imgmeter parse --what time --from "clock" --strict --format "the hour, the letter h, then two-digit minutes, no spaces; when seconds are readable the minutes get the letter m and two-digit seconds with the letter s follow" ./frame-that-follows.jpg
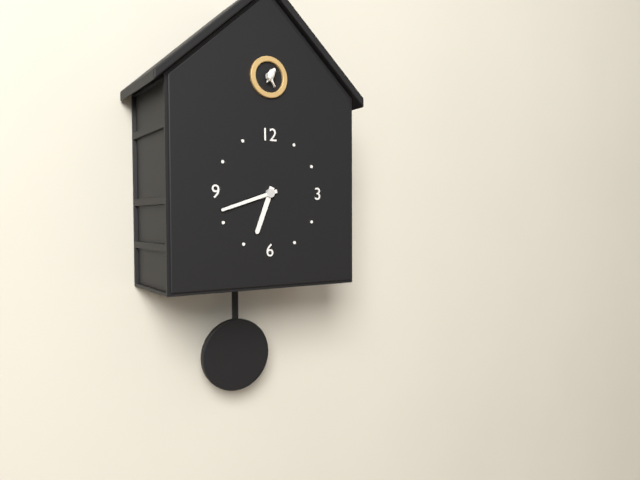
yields 6h42
